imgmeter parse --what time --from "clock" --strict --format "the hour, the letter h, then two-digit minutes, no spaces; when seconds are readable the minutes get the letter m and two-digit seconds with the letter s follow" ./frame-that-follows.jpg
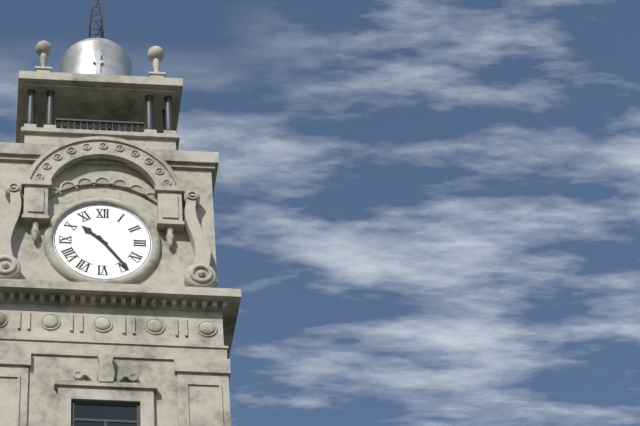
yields 10h24
